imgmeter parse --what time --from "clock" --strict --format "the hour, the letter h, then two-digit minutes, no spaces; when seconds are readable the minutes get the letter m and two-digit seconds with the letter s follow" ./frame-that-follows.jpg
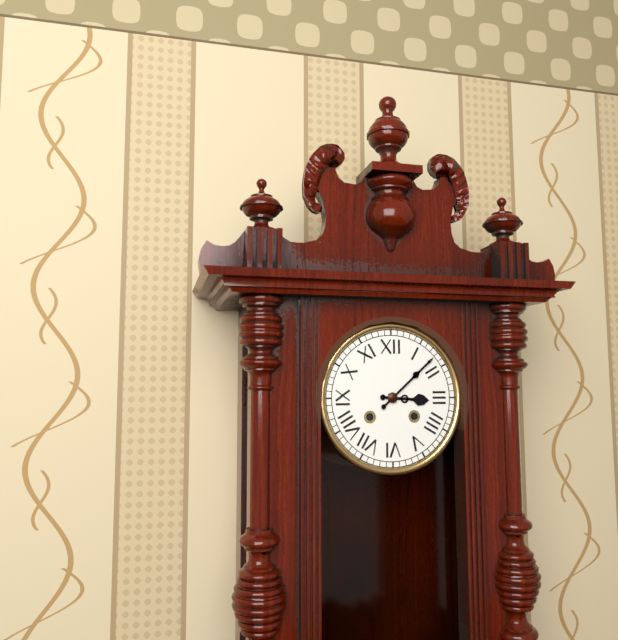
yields 3h08
